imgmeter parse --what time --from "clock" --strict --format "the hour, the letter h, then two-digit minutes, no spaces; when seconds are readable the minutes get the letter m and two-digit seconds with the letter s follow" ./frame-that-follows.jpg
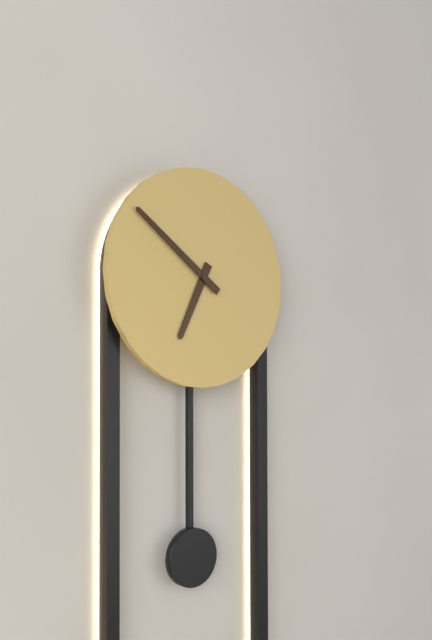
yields 6h51
